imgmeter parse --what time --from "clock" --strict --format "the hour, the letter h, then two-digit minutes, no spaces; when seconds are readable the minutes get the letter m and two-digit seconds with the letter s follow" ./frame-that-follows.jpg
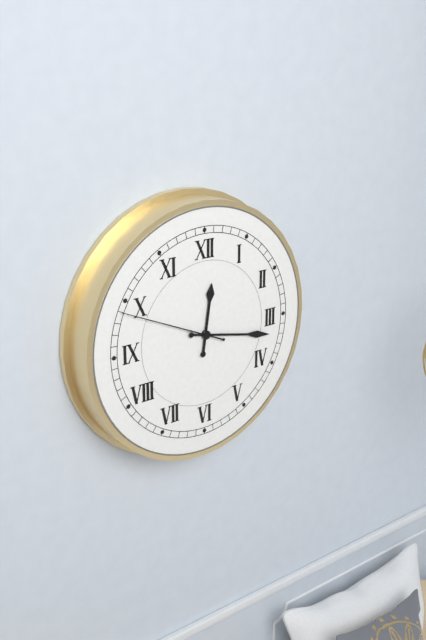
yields 12h17m49s
